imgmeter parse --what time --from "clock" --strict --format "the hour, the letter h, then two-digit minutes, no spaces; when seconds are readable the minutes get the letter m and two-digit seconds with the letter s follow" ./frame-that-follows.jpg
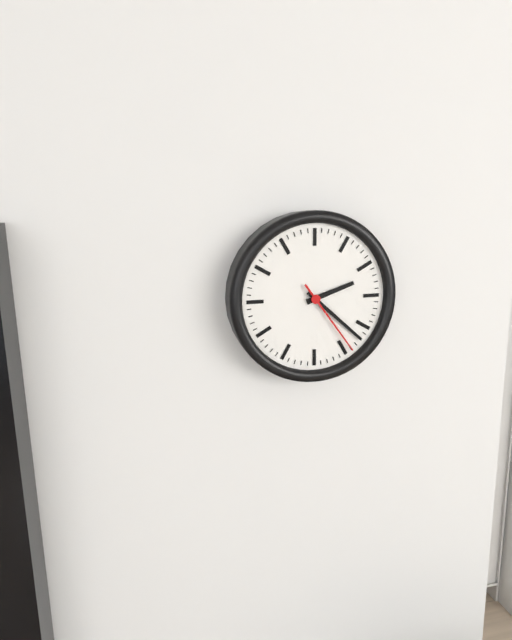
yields 2h22m24s
